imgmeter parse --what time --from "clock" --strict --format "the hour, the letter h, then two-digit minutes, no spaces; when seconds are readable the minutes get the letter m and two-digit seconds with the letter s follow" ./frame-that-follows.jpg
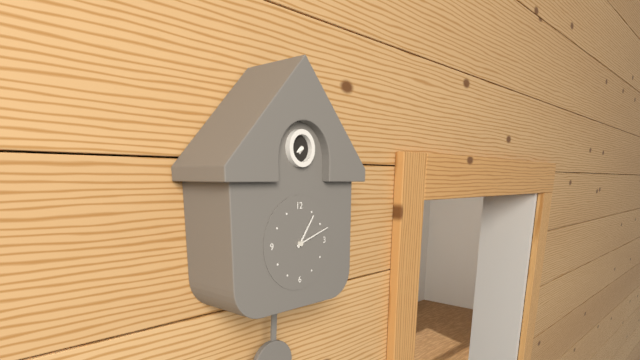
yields 1h12
